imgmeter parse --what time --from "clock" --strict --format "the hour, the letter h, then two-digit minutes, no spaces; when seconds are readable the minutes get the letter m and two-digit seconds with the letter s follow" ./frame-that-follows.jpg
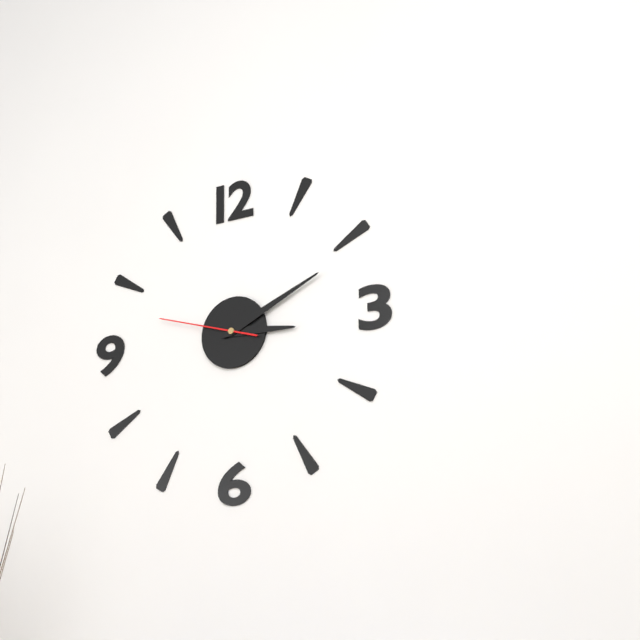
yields 3h11m48s
